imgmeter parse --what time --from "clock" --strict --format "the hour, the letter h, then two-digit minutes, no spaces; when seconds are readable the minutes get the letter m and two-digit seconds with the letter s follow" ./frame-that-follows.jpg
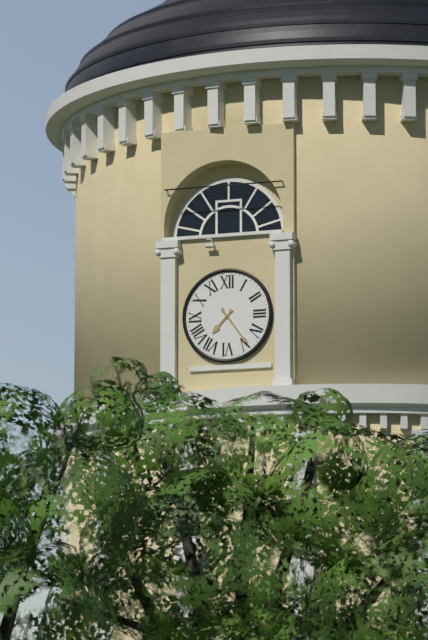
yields 7h24
